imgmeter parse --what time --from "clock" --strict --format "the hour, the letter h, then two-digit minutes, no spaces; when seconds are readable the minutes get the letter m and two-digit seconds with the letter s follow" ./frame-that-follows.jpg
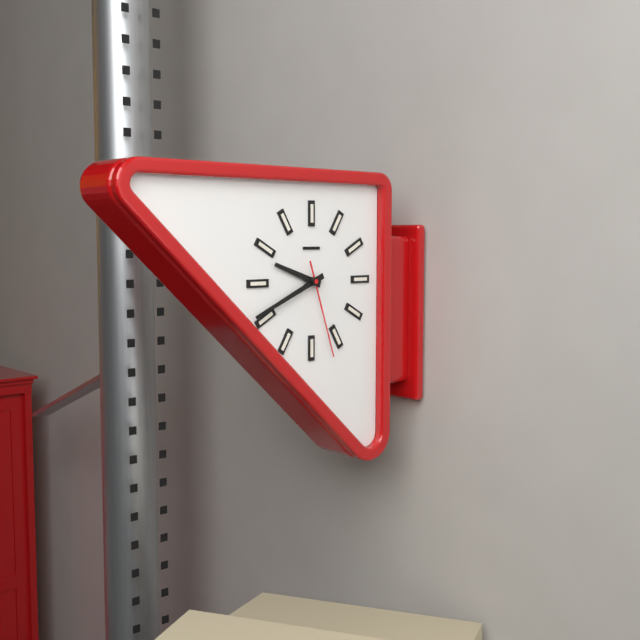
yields 9h41m27s
